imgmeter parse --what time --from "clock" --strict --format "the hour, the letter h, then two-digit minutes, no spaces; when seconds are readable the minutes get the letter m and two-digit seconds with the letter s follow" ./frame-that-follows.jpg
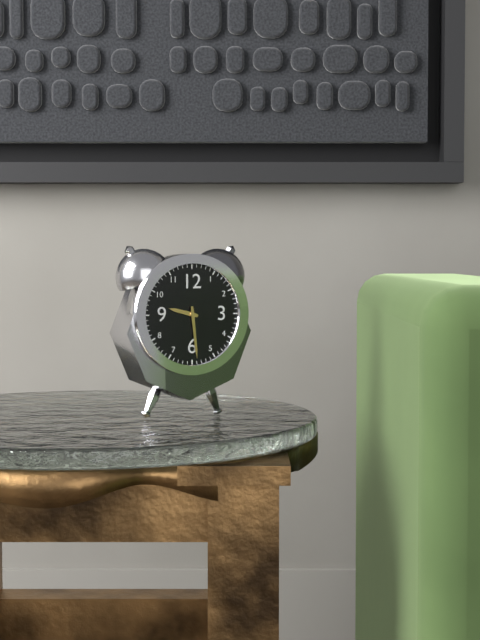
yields 9h29
